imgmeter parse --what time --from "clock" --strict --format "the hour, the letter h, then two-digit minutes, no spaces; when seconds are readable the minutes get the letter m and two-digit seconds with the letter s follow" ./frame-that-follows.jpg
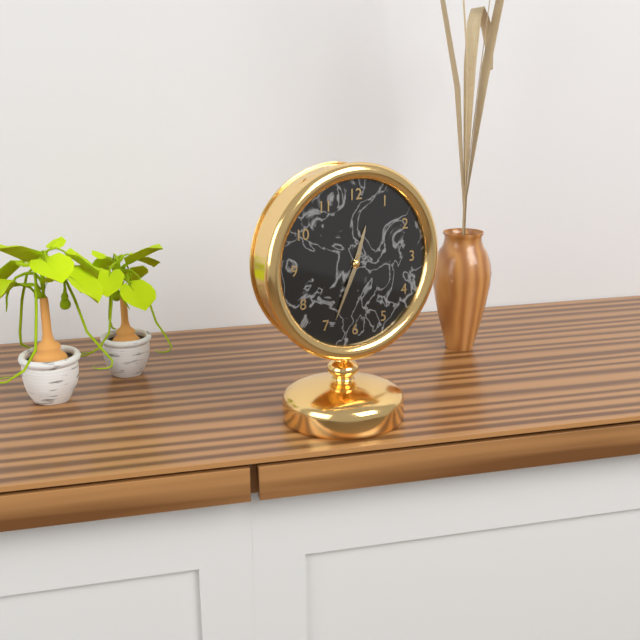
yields 12h34
